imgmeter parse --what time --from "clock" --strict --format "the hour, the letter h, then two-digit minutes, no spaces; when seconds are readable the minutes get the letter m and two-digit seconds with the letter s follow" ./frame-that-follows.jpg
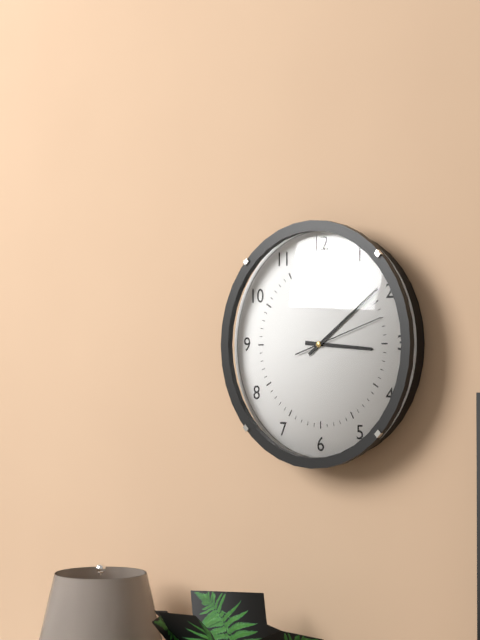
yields 3h09m12s
